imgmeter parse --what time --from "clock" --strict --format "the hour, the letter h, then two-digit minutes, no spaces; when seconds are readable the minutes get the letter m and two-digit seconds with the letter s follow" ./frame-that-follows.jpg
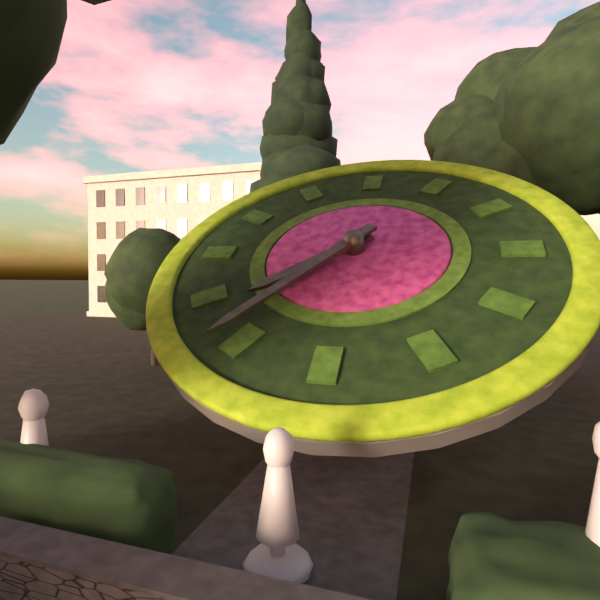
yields 7h36
